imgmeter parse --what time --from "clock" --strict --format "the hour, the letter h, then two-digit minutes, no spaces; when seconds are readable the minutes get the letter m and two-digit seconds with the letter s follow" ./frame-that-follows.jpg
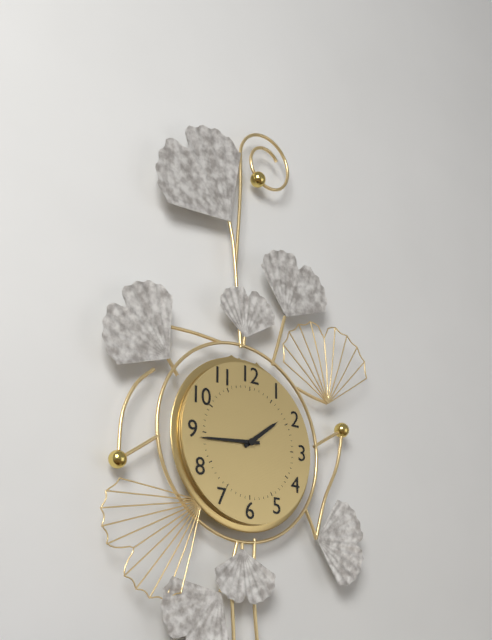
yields 1h44
